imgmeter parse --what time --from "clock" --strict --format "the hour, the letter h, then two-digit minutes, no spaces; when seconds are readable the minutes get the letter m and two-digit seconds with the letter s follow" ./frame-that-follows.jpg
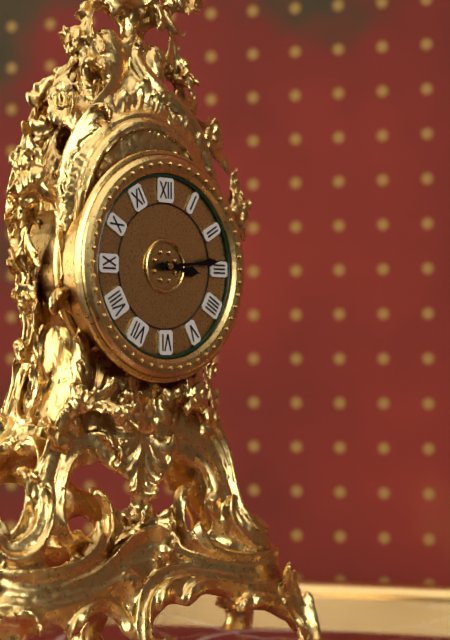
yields 3h14
